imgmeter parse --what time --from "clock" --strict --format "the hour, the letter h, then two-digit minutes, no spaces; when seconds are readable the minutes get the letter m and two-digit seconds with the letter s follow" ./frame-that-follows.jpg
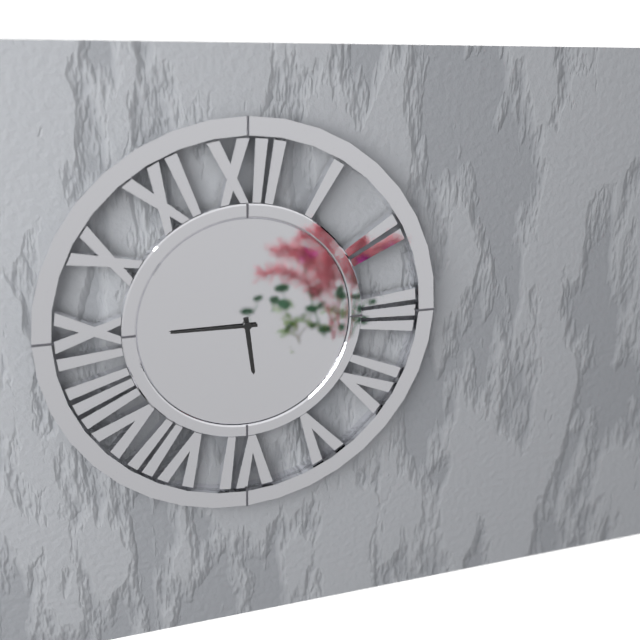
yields 5h45
